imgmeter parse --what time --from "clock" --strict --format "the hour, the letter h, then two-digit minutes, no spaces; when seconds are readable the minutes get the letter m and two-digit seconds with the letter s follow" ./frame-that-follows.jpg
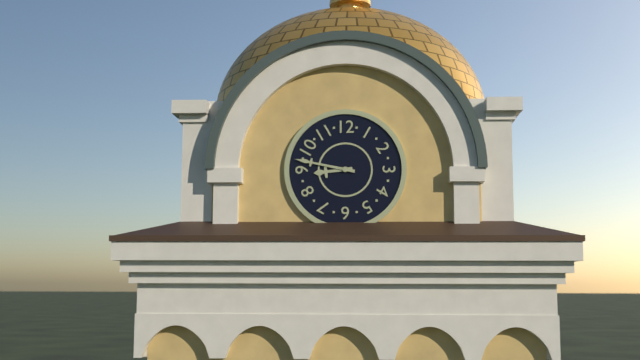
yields 8h47
